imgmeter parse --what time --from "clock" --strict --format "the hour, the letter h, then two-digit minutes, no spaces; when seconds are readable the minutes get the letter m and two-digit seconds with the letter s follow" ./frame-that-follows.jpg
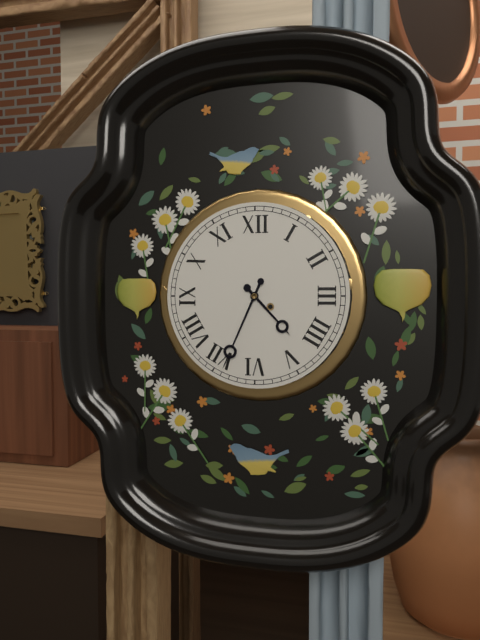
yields 4h34
